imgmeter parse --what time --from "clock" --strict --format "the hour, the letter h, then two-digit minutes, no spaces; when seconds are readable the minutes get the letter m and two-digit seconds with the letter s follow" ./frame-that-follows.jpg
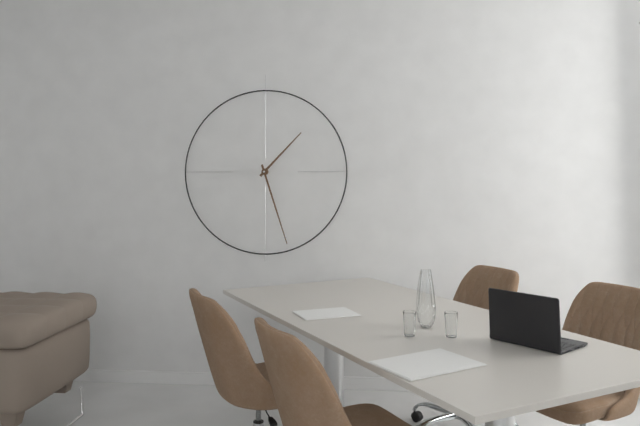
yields 1h27
